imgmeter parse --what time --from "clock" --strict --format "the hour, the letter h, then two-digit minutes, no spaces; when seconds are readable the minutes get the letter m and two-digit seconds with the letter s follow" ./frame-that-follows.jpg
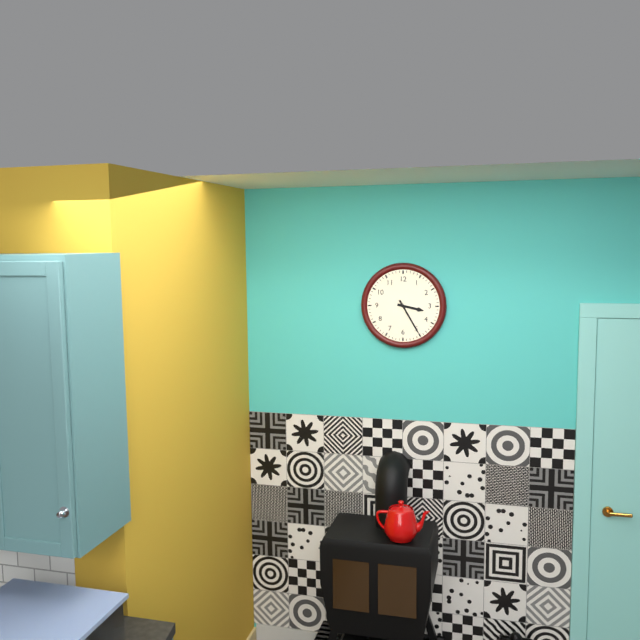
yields 3h25
